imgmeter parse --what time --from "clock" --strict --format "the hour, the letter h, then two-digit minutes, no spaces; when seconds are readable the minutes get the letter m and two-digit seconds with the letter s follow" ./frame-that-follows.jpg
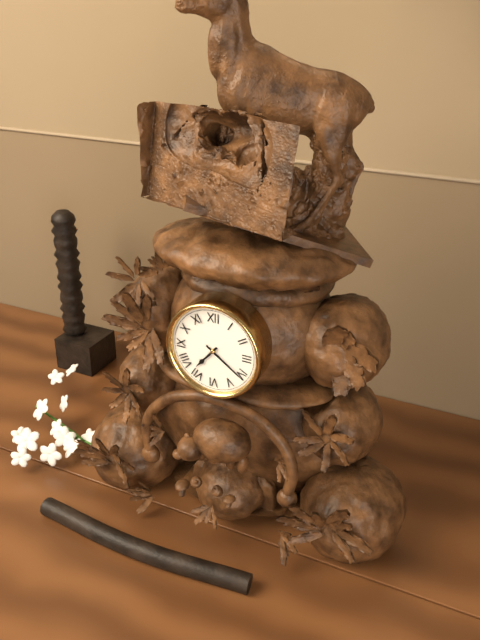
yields 7h21
